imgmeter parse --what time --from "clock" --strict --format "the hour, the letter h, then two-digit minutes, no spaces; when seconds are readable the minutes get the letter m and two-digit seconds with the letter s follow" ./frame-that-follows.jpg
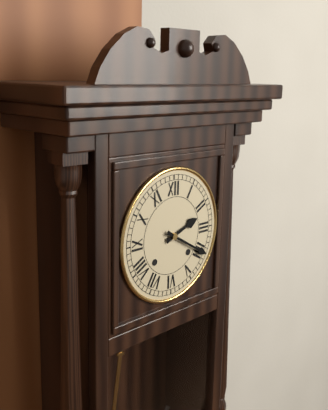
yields 2h20
